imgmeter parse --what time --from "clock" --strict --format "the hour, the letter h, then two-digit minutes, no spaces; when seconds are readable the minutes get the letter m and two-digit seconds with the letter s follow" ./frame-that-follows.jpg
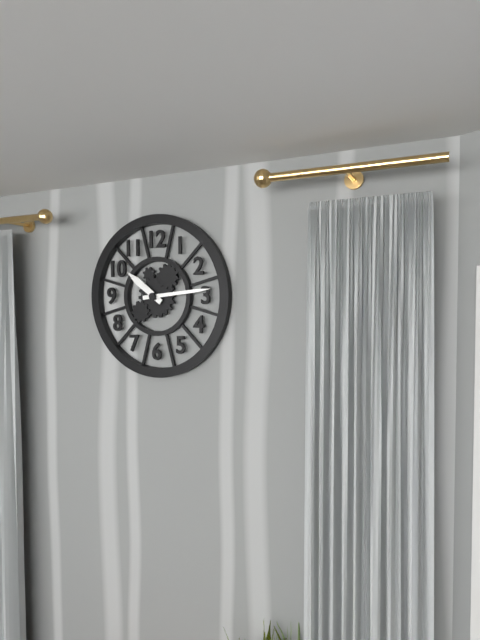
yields 10h14
